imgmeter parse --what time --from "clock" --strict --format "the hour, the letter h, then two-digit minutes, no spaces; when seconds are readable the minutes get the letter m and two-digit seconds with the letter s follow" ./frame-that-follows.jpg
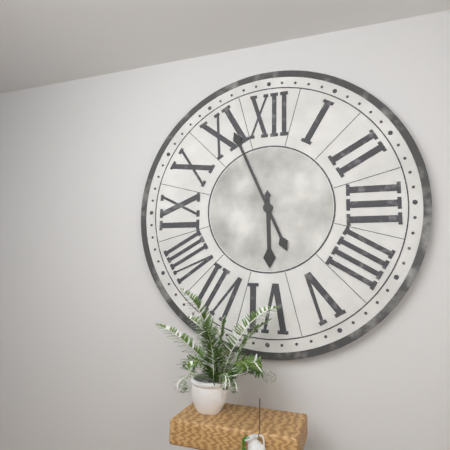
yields 5h56
